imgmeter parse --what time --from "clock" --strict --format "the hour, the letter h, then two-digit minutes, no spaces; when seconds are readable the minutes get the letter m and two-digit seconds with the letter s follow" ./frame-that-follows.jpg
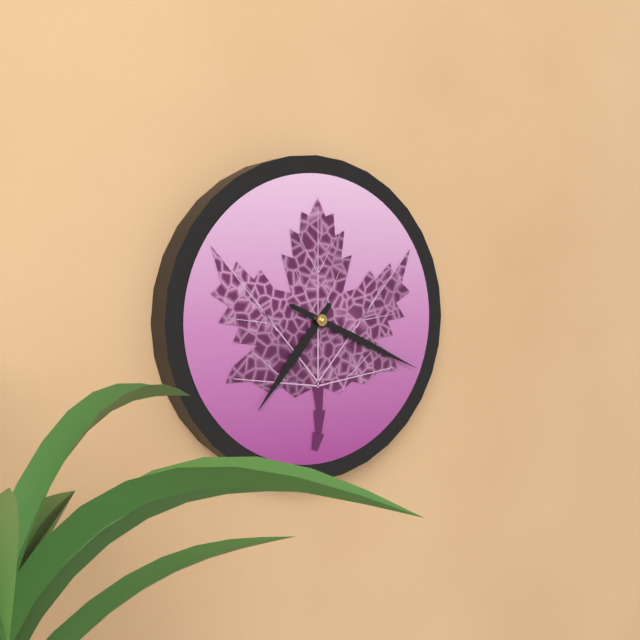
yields 7h19
